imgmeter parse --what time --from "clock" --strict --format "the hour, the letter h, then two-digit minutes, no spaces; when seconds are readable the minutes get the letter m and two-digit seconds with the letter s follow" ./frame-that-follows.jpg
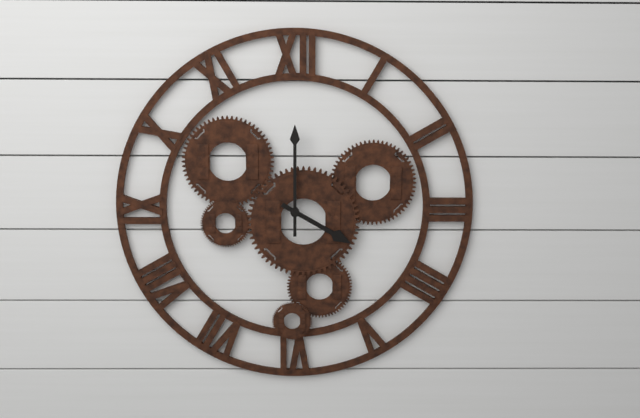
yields 4h00
